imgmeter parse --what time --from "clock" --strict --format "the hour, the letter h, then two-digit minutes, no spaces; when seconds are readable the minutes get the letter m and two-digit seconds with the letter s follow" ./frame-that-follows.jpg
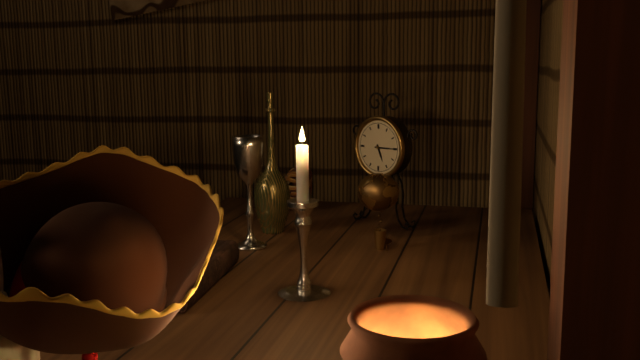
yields 5h15
